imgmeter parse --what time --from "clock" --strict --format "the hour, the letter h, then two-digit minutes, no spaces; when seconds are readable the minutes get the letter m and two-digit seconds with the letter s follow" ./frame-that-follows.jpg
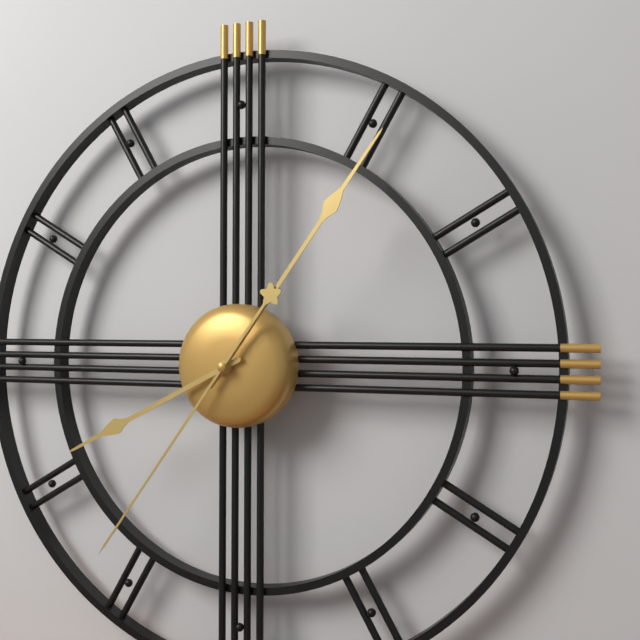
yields 8h06m36s
